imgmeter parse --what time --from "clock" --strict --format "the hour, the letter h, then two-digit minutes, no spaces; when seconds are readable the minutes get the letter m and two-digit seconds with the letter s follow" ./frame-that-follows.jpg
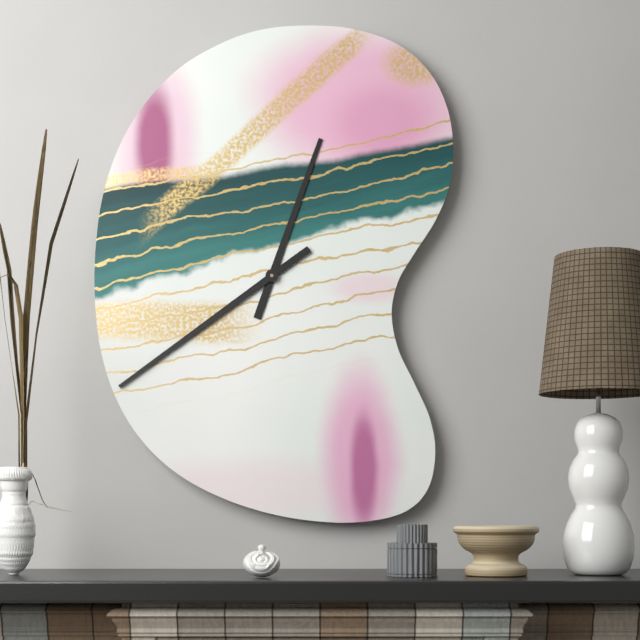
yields 12h39
